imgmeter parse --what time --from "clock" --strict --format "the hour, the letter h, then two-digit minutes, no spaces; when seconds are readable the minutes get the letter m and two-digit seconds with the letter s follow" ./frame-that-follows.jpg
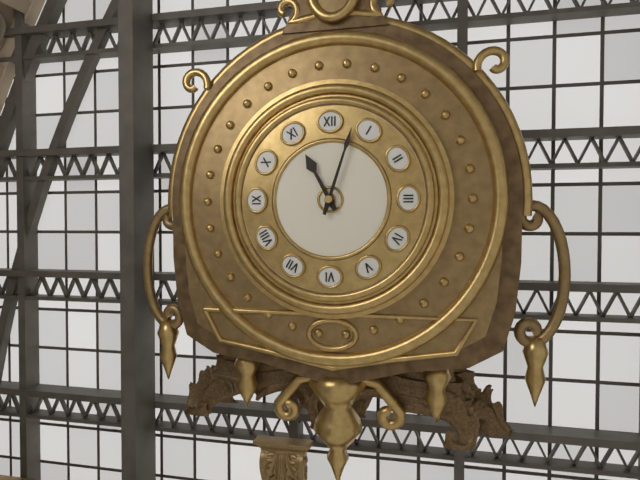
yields 11h03
